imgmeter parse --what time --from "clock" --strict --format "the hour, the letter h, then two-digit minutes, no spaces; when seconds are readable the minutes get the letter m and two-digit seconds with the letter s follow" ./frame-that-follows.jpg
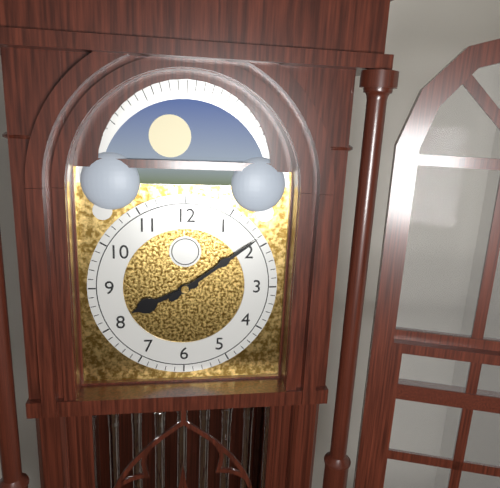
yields 8h09
